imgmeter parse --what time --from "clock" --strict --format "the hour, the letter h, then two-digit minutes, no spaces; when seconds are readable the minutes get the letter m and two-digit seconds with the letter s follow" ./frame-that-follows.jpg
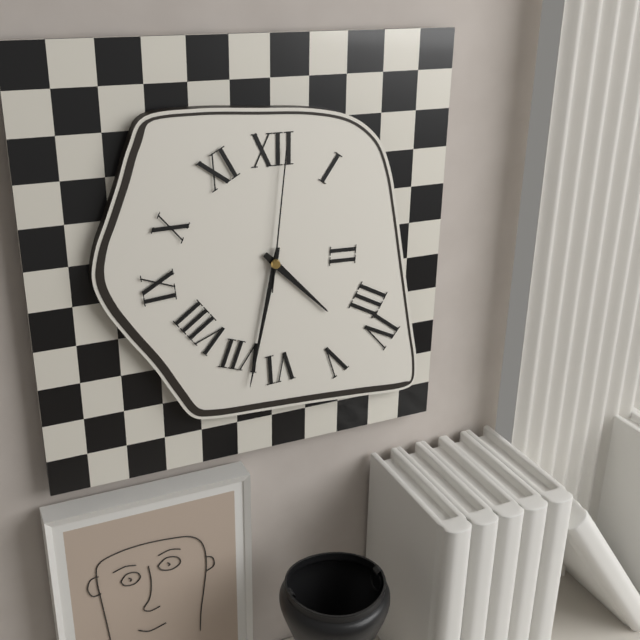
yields 4h32m01s
